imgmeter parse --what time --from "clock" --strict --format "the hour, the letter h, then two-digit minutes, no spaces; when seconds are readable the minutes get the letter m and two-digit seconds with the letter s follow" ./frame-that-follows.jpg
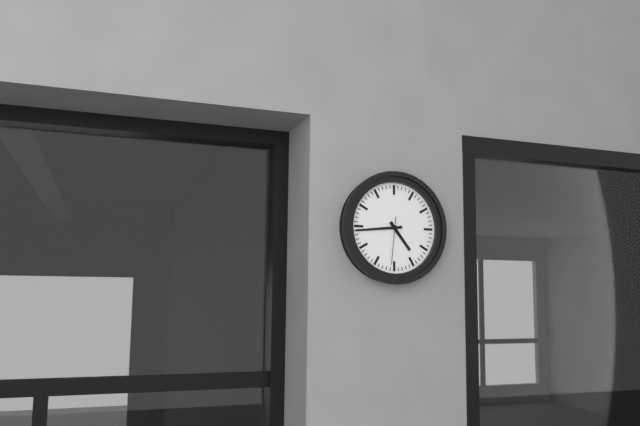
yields 4h44
